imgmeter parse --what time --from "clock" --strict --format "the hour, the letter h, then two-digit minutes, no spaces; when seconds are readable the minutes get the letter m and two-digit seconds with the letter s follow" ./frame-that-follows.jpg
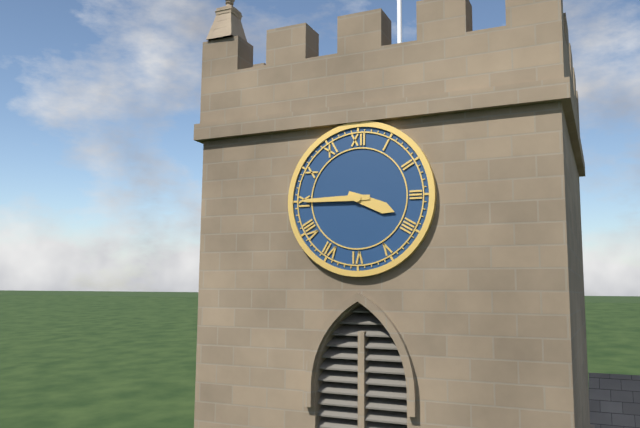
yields 3h45
